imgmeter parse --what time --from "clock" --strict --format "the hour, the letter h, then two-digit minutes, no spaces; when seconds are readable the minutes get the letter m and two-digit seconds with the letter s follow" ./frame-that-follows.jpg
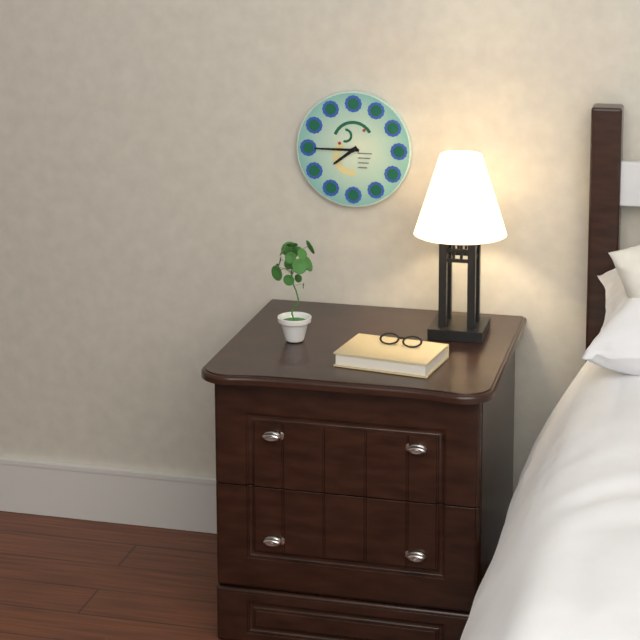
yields 7h45
